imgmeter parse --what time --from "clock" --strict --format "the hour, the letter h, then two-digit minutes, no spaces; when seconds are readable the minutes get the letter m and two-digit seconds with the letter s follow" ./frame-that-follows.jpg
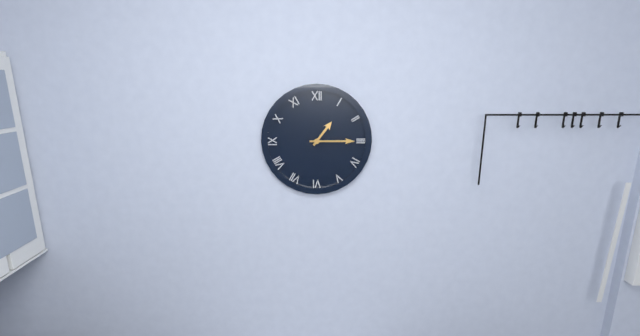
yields 1h15
